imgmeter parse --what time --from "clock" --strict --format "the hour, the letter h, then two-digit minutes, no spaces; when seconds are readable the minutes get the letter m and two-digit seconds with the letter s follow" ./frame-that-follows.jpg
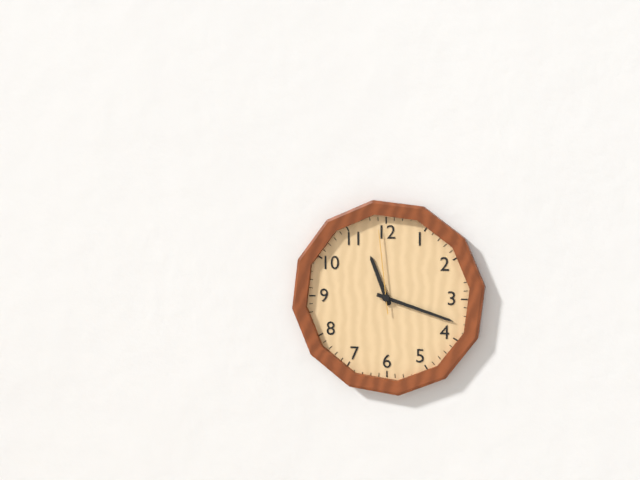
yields 11h18m59s
